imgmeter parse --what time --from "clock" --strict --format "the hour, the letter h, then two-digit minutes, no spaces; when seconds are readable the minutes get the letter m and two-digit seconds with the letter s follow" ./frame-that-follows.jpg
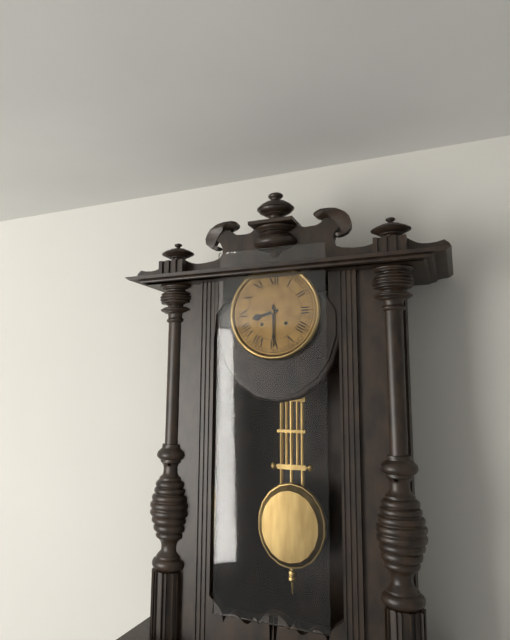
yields 8h30
